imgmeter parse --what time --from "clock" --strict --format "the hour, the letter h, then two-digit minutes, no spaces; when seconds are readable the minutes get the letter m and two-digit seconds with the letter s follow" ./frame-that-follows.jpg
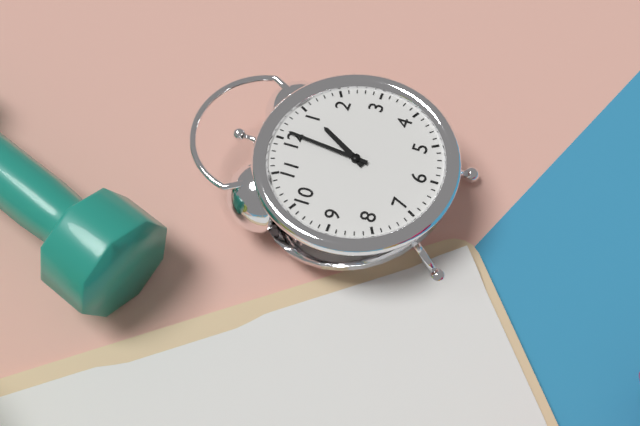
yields 1h01
